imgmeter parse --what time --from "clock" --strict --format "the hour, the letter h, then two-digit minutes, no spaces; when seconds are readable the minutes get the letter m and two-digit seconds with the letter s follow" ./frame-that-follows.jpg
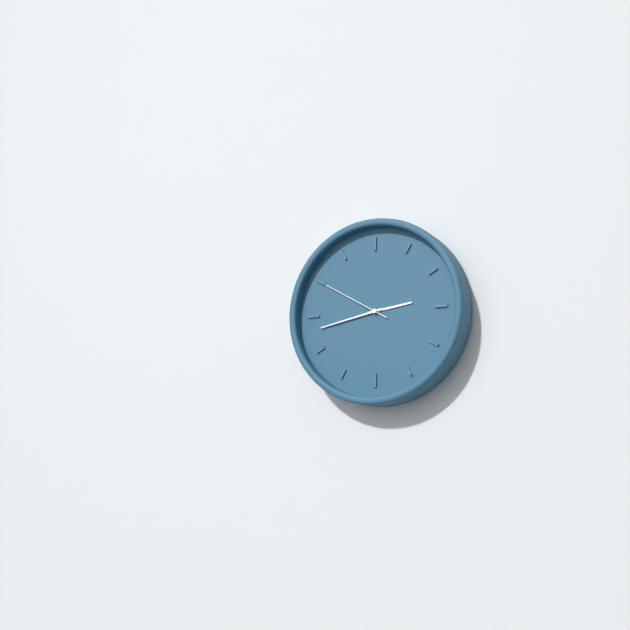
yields 2h43m50s
